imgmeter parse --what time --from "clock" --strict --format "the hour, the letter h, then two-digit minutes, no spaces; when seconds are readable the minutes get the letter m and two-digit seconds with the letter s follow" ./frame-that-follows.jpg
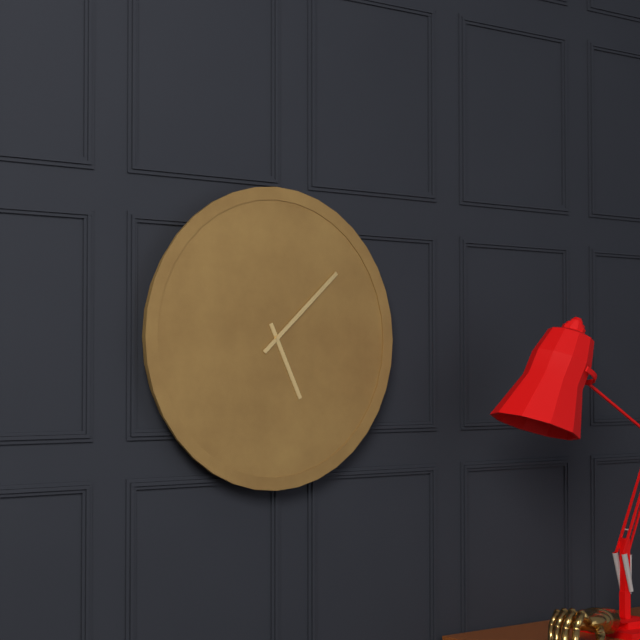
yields 5h08
